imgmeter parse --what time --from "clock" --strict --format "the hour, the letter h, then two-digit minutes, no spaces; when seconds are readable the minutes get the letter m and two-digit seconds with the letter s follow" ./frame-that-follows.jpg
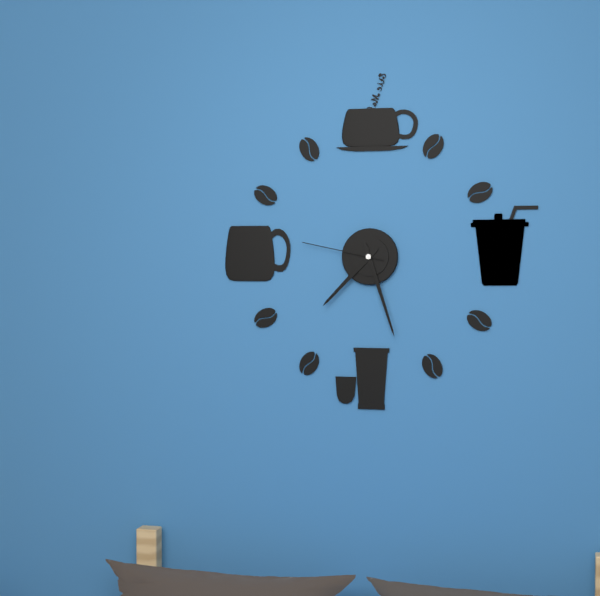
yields 7h27m47s
